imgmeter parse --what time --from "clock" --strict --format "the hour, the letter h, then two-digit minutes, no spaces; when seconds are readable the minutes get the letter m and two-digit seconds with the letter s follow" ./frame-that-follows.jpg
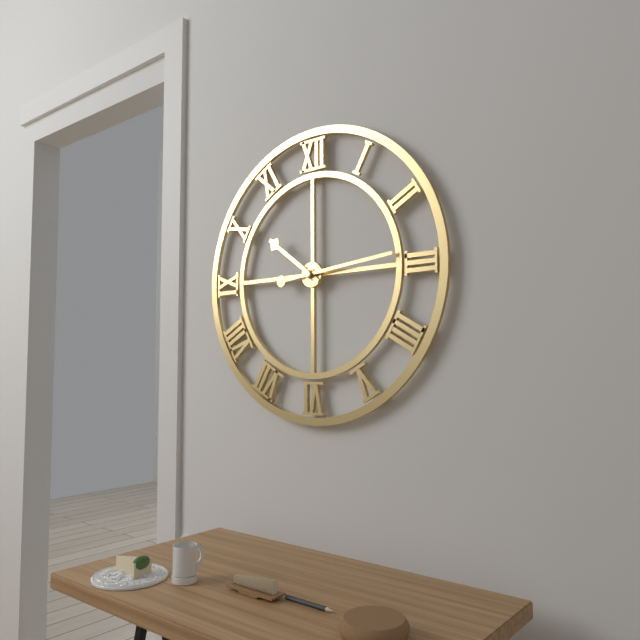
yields 10h14
